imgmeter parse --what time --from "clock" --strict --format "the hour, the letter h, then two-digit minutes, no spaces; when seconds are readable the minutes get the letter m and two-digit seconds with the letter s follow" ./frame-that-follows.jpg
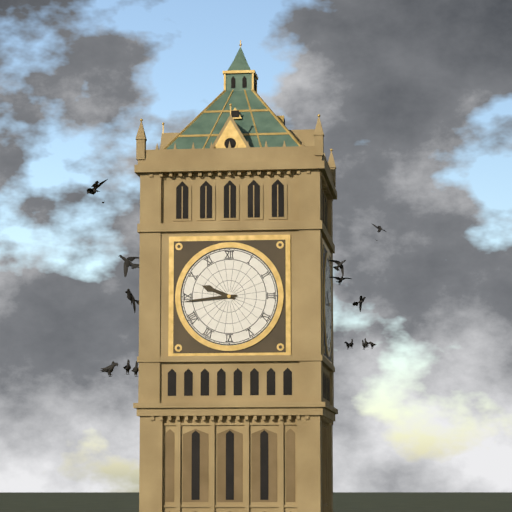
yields 9h44
